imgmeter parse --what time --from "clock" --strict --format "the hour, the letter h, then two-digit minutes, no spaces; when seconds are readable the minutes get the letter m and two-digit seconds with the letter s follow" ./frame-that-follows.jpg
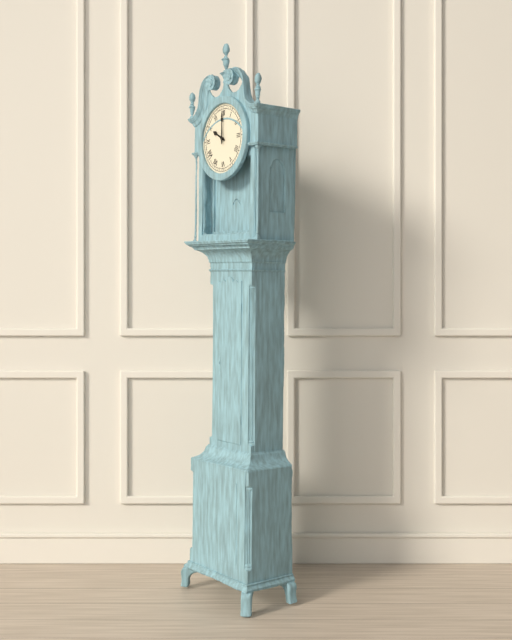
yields 10h00
